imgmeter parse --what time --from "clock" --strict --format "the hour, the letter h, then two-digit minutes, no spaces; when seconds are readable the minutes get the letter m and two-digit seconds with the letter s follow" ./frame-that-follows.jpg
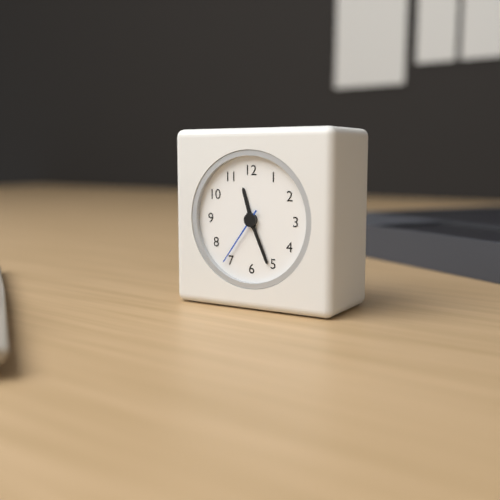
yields 11h26m36s
